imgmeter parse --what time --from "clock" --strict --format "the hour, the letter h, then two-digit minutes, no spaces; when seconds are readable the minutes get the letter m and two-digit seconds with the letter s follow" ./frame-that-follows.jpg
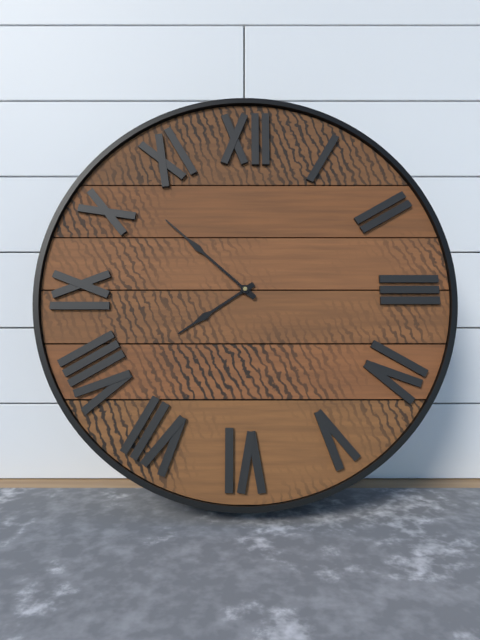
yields 7h52
